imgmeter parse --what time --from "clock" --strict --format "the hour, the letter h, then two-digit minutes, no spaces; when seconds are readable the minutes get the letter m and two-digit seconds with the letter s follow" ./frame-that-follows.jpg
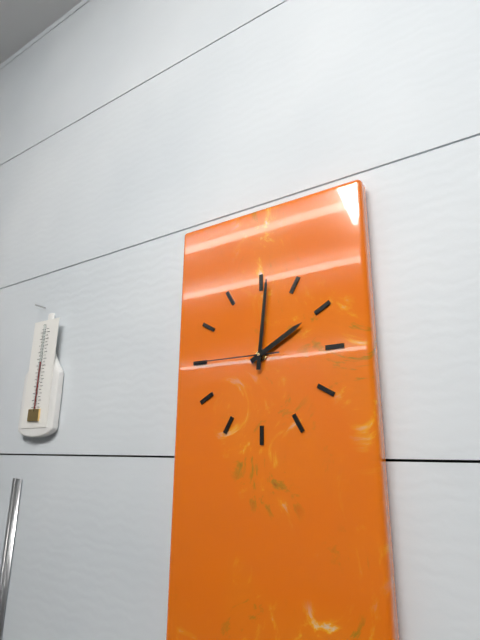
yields 2h01m45s
